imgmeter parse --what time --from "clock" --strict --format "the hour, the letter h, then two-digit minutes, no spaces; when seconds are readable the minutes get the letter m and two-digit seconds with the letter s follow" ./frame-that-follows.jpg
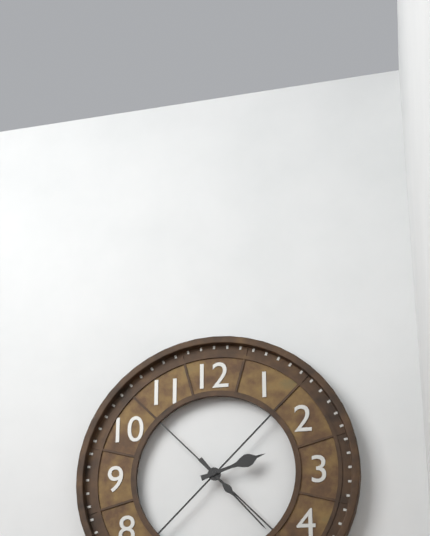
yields 2h23
